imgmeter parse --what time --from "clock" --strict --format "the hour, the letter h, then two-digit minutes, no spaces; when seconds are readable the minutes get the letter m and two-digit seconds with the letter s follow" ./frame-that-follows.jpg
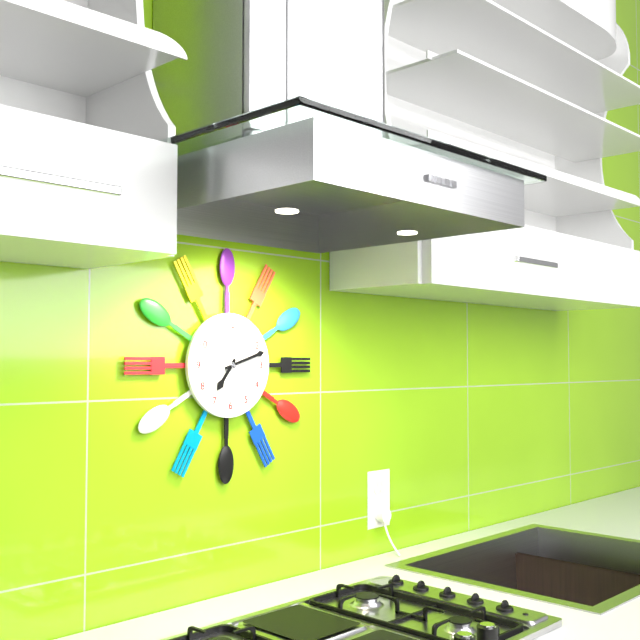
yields 7h12
